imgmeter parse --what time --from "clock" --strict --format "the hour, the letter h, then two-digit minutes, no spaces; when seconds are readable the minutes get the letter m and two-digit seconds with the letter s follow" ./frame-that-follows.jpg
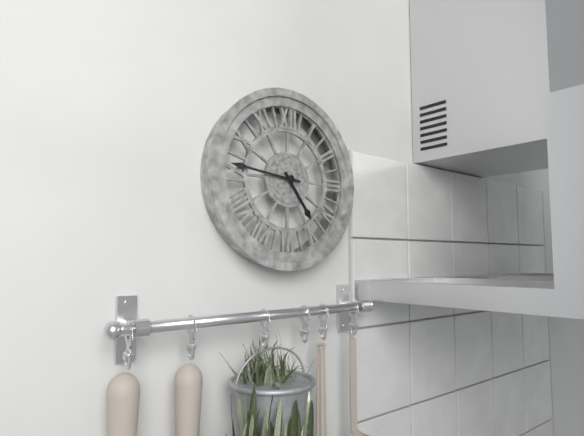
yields 4h46
